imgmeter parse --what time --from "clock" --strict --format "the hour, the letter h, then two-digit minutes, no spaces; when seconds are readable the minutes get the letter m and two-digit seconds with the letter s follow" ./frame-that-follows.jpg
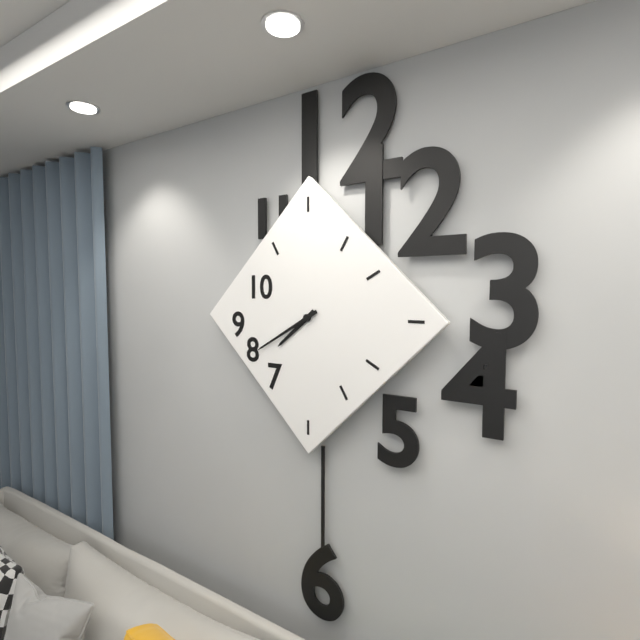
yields 7h40
